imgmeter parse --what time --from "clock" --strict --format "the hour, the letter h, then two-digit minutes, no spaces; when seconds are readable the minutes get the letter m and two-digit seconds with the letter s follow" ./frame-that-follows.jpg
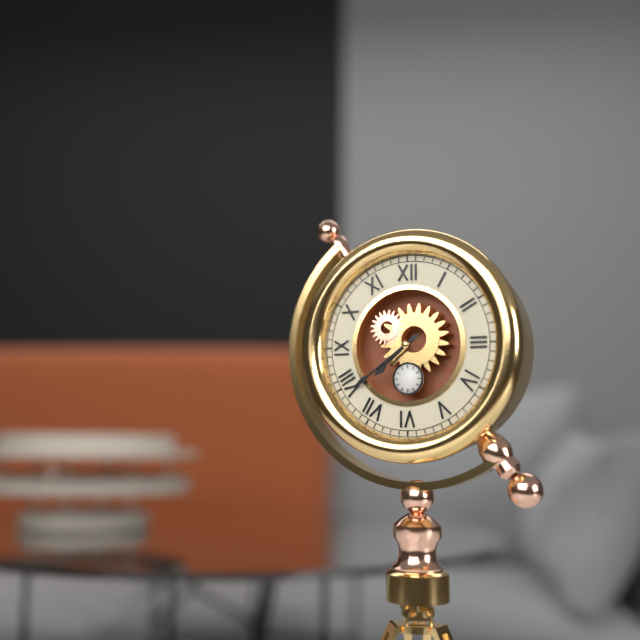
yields 7h39
